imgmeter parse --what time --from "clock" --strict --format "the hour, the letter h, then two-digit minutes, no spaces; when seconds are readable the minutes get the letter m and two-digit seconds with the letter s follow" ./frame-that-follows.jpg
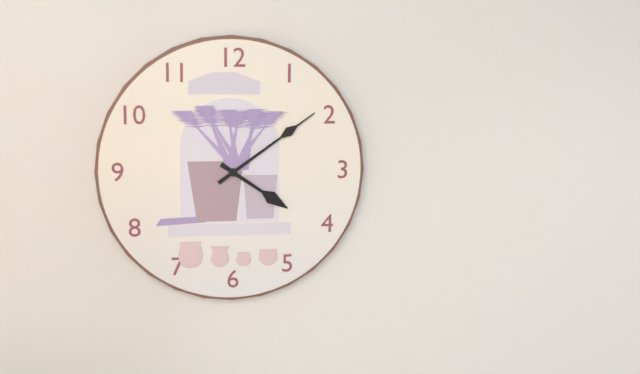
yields 4h09
